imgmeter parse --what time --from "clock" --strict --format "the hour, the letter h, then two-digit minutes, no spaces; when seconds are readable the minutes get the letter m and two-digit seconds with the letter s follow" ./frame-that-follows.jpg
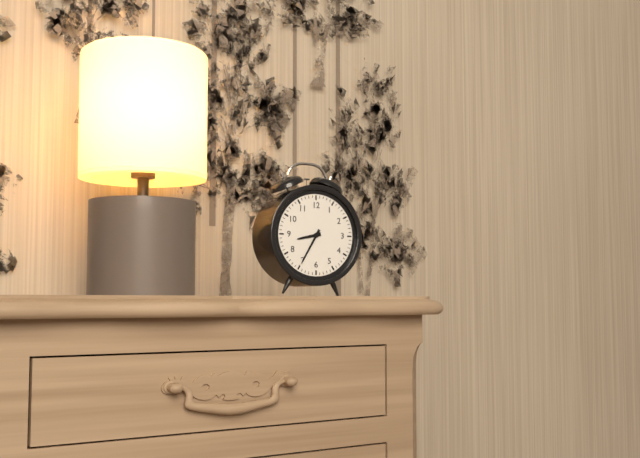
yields 8h35
